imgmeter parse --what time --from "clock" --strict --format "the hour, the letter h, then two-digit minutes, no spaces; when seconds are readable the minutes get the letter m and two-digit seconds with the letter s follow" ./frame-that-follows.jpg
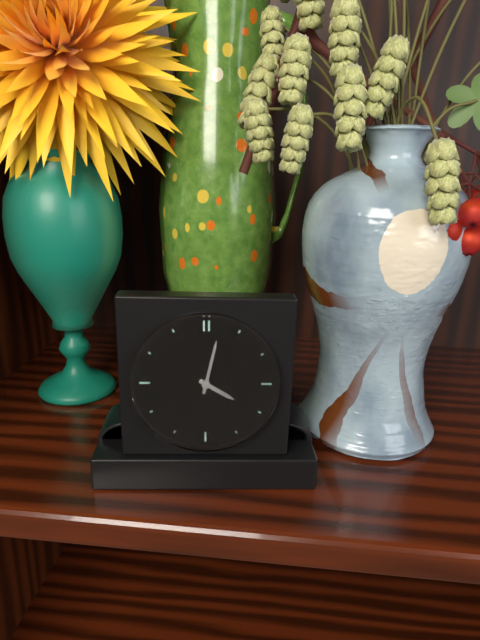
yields 4h02
